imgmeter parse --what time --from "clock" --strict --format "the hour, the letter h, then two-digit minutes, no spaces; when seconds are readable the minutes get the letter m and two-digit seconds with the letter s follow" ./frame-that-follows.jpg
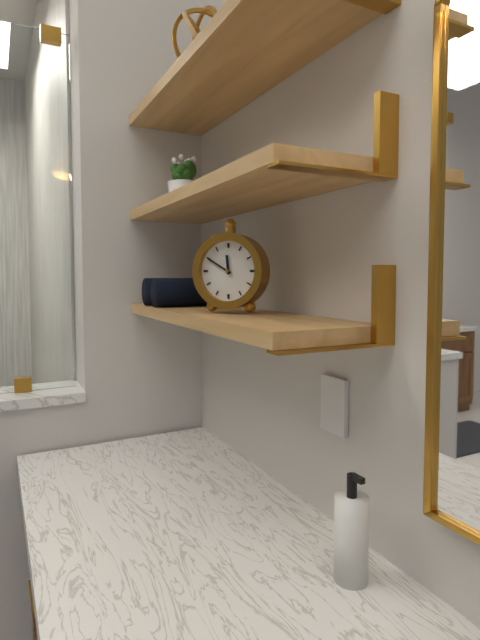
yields 11h50
